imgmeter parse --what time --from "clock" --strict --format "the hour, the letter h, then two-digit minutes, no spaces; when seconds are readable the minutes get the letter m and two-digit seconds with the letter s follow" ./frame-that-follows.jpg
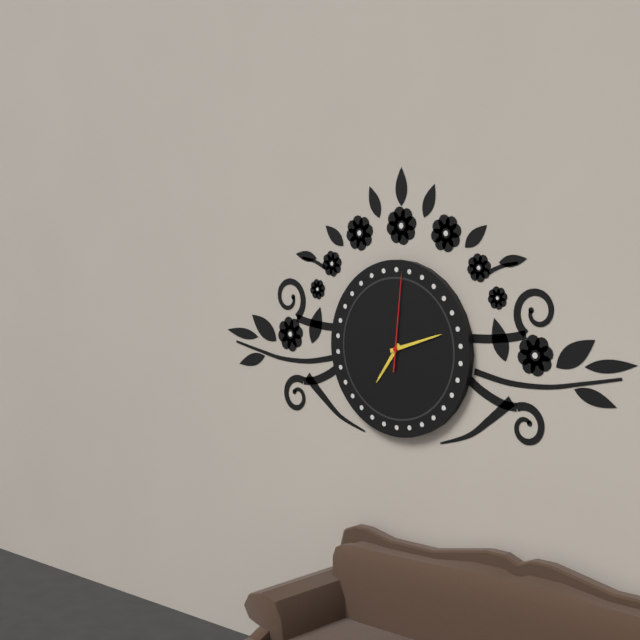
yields 7h12m01s
